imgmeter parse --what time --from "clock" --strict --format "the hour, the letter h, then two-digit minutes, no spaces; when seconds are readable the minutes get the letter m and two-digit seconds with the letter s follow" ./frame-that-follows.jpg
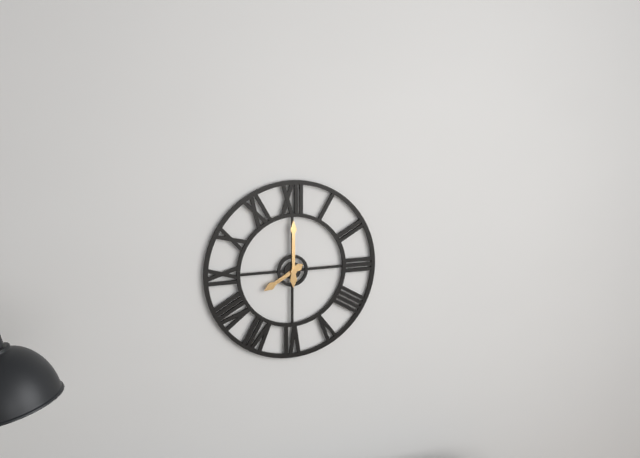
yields 8h00
